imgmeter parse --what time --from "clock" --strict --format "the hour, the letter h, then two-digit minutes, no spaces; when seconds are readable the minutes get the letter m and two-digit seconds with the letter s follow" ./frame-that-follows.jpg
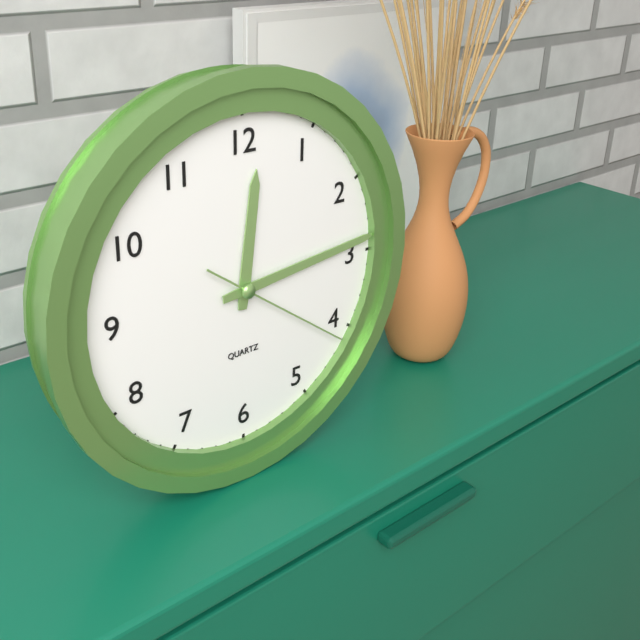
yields 12h14m21s
